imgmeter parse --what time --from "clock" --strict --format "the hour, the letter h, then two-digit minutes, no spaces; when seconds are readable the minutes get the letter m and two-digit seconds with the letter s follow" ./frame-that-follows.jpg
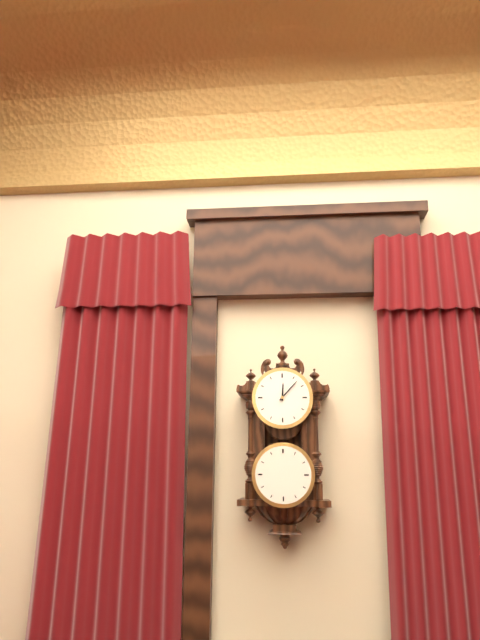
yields 12h07
